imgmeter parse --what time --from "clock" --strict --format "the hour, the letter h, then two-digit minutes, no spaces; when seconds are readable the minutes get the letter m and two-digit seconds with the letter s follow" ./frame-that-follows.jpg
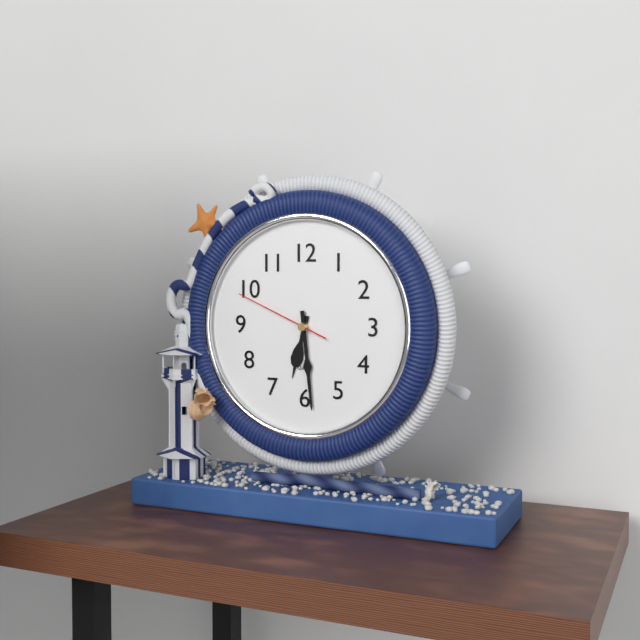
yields 6h29m49s
